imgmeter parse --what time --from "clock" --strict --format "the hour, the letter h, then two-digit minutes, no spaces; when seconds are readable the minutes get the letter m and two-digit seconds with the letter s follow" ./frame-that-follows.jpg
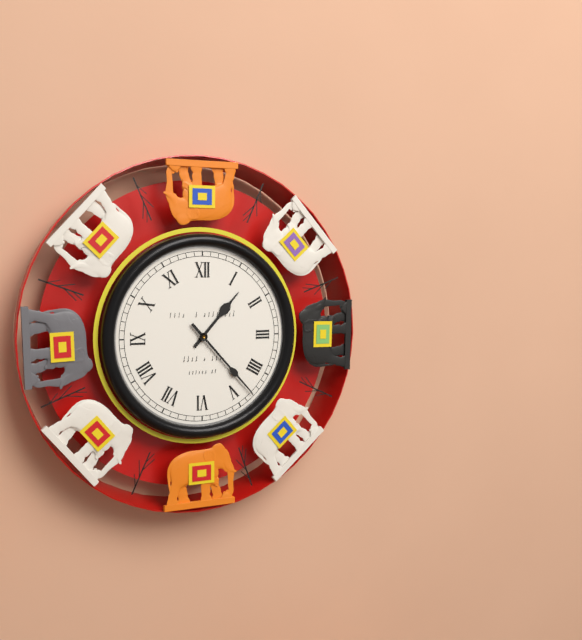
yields 1h23
